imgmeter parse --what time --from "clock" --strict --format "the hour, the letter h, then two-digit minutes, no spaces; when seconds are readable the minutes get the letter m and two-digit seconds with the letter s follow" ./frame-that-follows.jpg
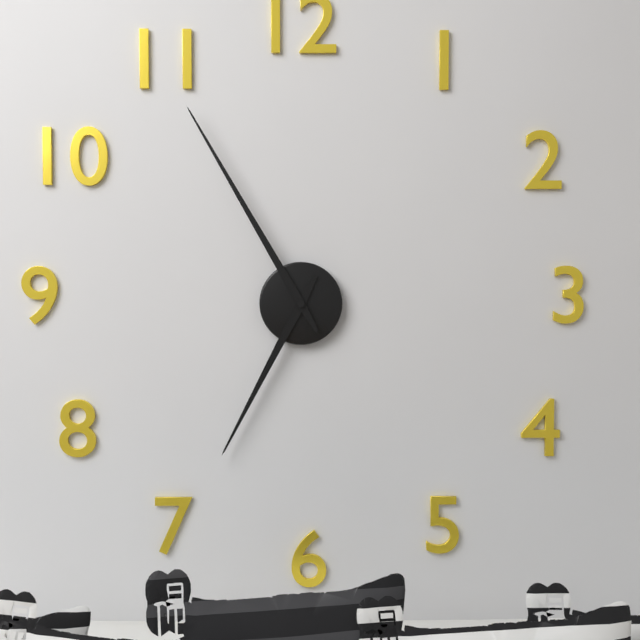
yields 6h55
